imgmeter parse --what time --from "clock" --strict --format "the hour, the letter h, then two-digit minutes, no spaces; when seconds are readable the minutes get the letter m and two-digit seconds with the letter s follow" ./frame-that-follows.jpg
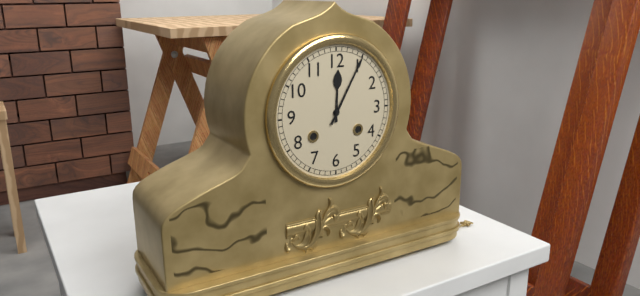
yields 12h05
